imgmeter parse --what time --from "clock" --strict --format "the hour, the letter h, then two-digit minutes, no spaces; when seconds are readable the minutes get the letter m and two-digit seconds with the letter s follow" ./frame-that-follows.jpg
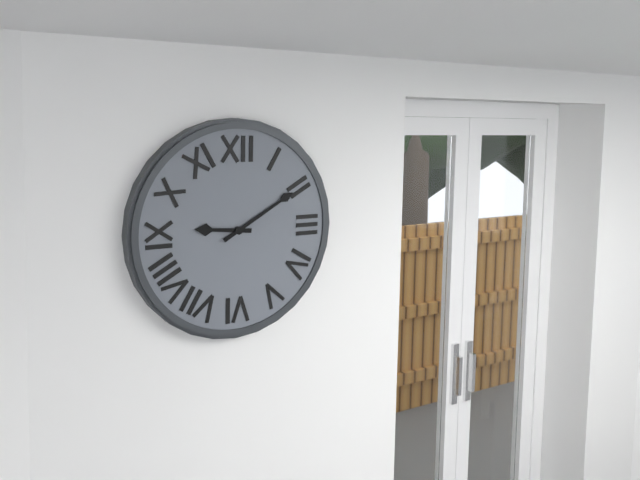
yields 9h10
